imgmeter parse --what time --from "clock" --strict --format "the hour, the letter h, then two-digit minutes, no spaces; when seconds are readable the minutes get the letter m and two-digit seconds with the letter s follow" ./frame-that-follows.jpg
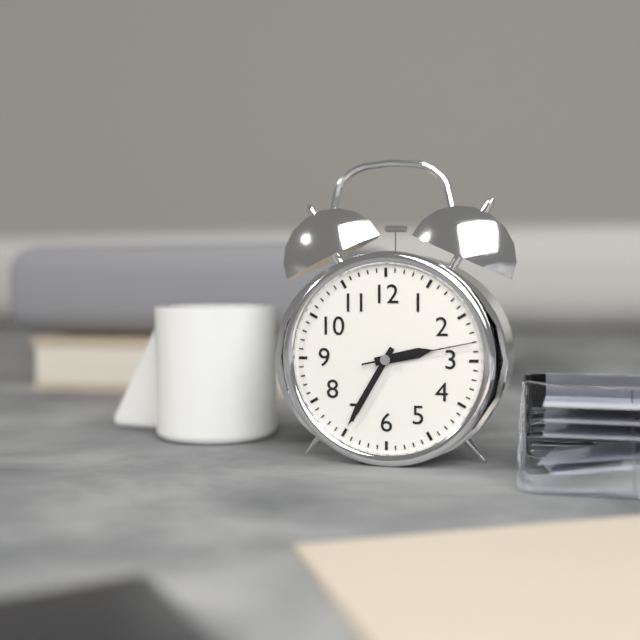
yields 2h35m13s
